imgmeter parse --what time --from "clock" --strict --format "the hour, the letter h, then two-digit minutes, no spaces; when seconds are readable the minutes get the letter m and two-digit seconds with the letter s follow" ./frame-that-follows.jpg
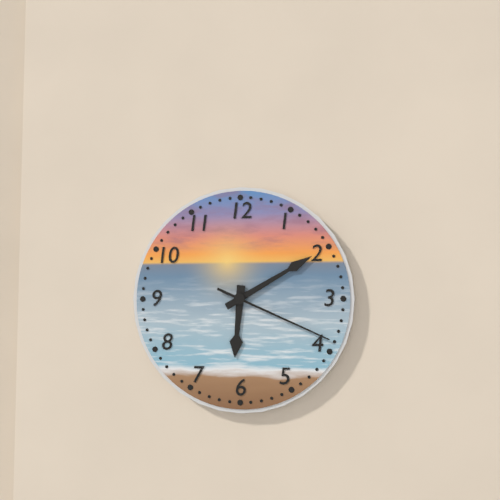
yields 6h10m19s
